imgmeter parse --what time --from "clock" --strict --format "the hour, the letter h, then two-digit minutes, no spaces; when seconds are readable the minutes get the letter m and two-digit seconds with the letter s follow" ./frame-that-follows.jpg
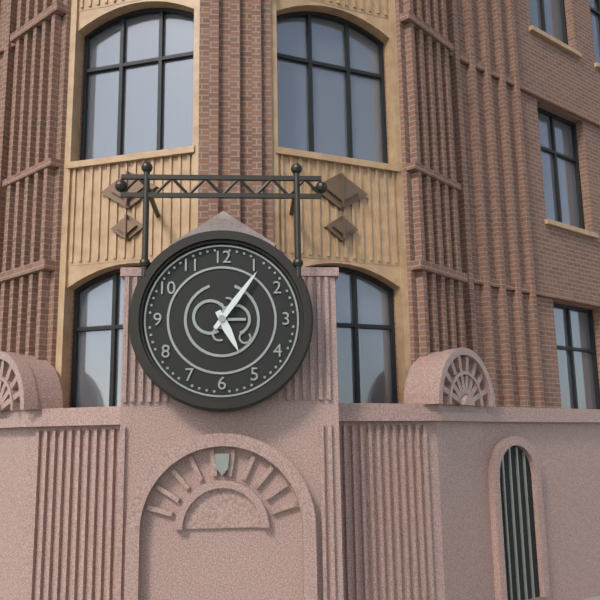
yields 5h06
